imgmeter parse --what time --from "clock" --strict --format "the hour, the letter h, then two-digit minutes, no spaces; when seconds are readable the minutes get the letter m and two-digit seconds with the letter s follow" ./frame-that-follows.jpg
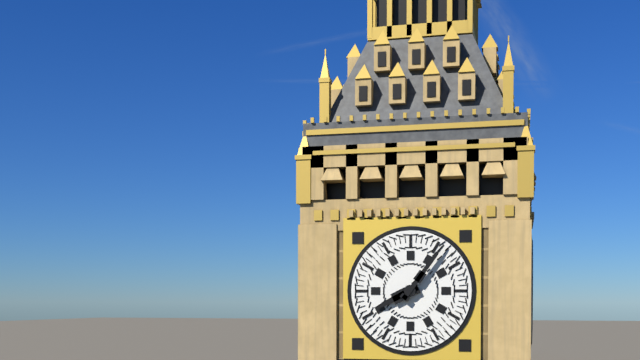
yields 8h06
